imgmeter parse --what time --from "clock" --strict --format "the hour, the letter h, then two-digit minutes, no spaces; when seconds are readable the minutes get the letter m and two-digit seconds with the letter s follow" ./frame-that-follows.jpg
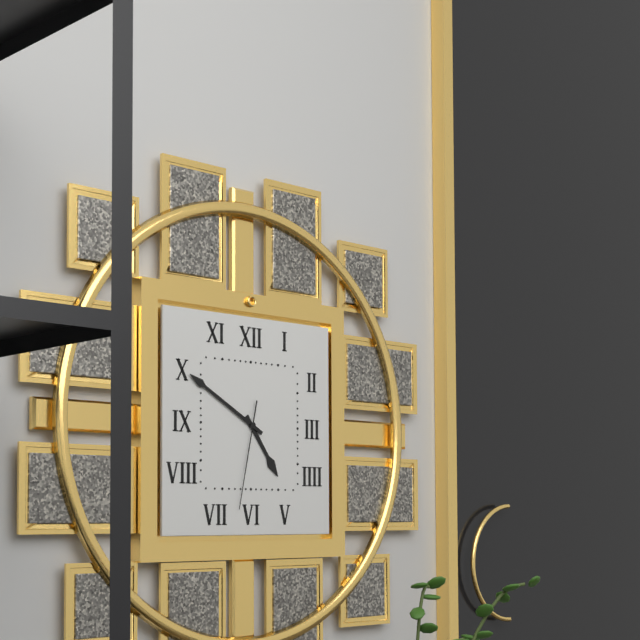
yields 4h50m32s
